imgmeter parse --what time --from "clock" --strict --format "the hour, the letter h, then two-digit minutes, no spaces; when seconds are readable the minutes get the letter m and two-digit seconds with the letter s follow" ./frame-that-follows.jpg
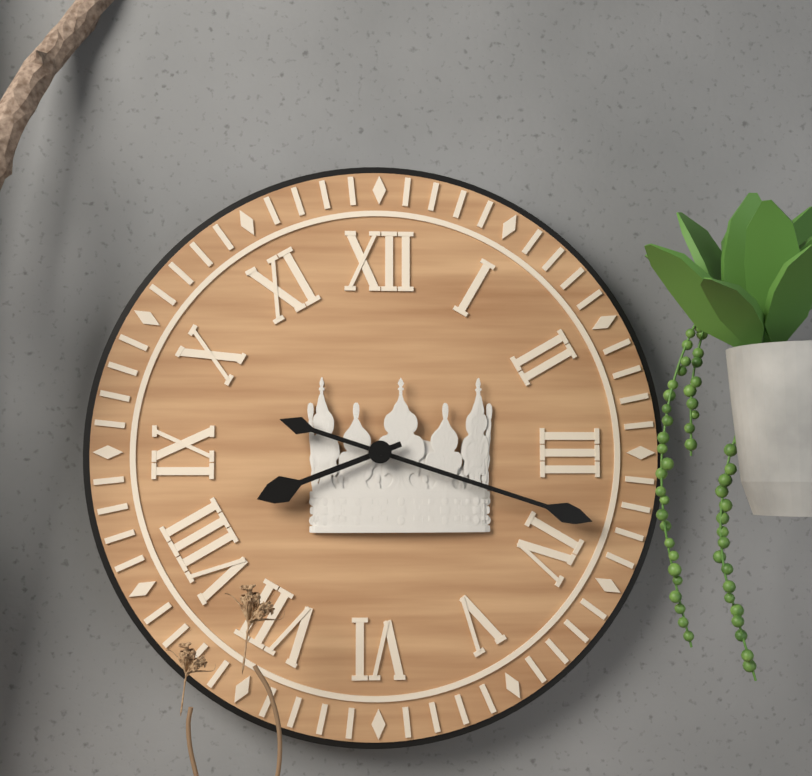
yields 8h18
